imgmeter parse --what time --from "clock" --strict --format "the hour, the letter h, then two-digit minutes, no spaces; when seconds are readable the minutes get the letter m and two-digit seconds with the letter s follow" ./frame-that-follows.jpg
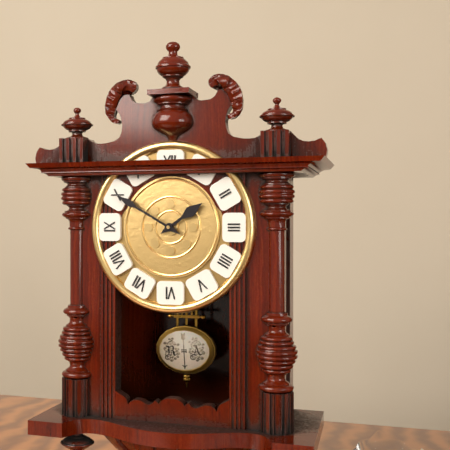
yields 1h50
